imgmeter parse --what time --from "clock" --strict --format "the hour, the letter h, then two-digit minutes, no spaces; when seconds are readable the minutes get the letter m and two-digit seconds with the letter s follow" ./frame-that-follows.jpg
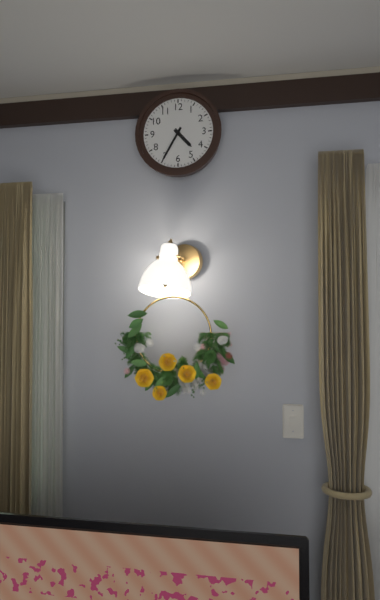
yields 4h35
